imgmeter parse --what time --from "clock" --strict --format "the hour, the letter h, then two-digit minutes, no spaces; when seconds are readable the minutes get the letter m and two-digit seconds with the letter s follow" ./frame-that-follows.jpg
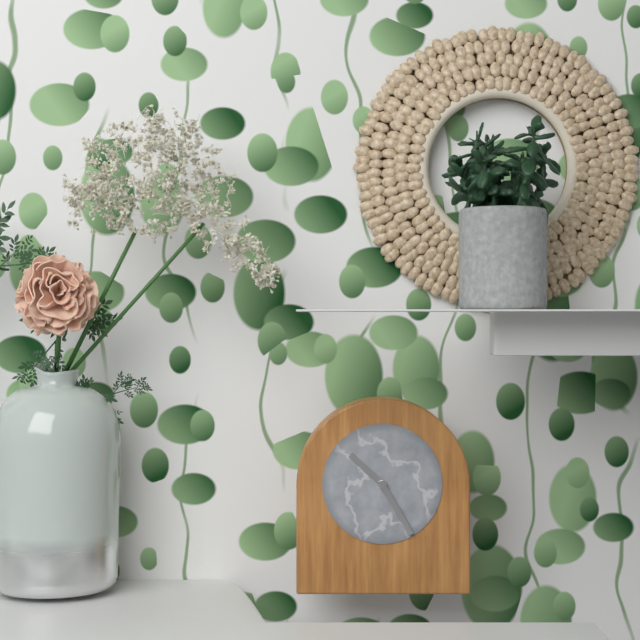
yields 10h25
